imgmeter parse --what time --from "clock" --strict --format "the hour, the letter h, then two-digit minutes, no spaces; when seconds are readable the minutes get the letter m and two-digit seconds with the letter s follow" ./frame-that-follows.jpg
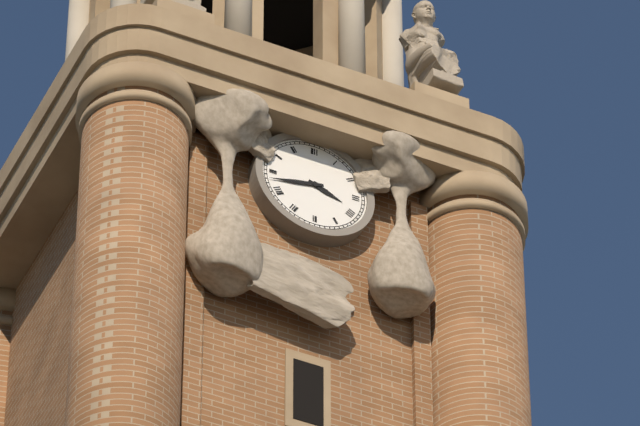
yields 3h43
